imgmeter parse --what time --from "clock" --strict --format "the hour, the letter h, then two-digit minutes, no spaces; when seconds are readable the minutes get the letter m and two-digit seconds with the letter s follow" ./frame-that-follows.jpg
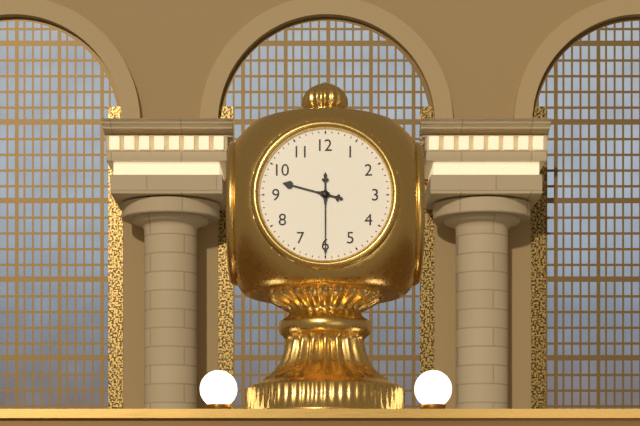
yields 9h30
